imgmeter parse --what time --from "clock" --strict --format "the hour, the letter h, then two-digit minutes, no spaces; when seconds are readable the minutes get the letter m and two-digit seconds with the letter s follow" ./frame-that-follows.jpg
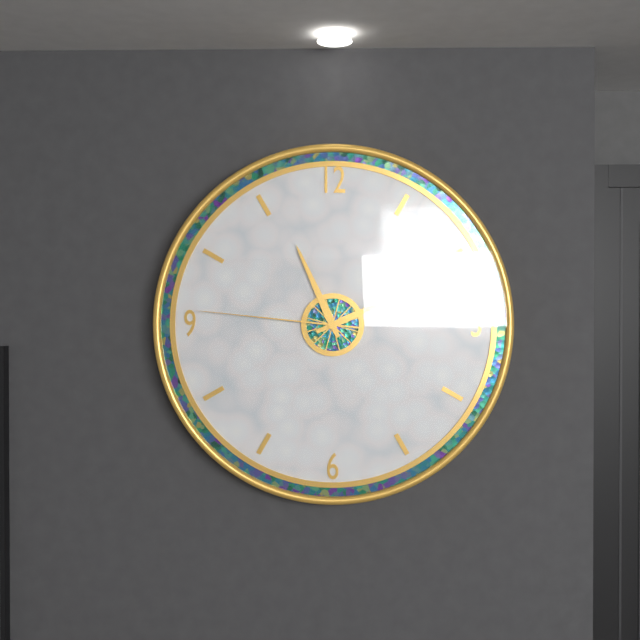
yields 11h11m46s
